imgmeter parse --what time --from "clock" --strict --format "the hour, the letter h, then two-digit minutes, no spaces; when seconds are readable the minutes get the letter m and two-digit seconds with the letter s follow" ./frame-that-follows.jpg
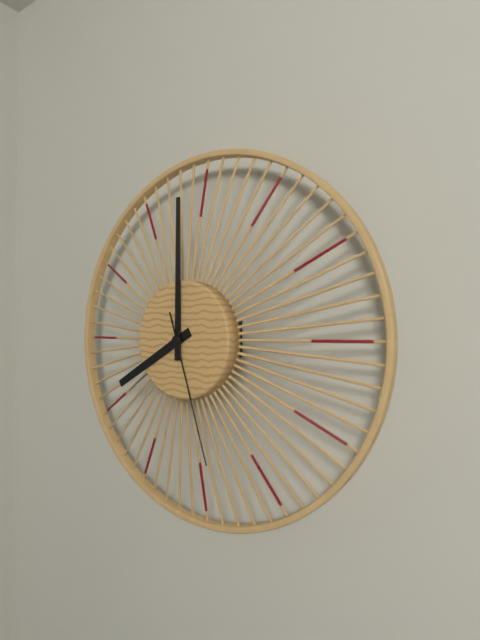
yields 8h00m27s
